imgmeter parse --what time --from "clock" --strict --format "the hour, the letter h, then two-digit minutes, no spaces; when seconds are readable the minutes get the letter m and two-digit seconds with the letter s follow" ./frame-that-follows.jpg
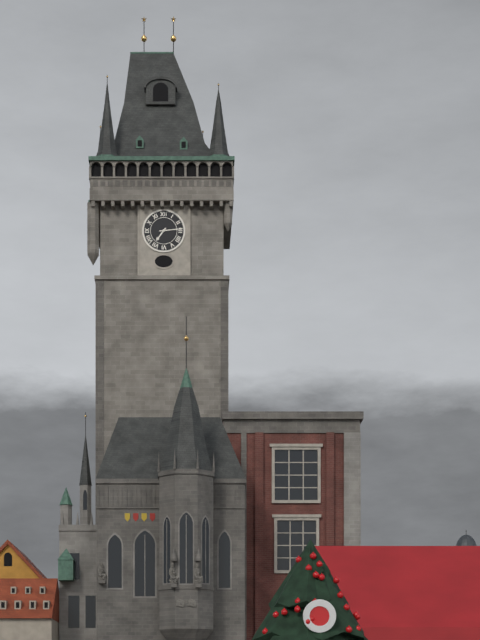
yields 7h14
